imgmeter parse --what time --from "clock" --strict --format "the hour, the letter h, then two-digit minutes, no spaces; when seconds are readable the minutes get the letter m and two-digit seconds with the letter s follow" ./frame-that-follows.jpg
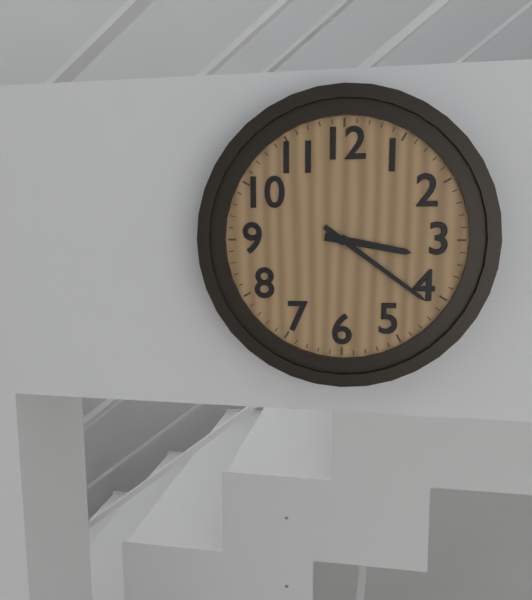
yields 3h21
